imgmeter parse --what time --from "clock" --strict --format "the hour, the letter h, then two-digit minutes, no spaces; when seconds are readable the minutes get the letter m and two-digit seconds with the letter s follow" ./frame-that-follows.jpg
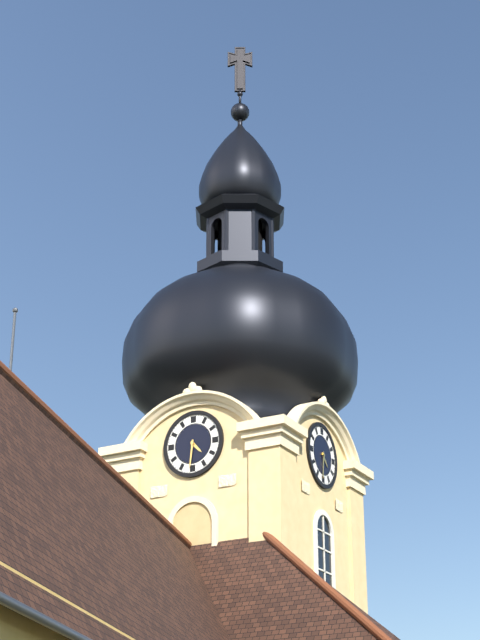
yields 4h31
